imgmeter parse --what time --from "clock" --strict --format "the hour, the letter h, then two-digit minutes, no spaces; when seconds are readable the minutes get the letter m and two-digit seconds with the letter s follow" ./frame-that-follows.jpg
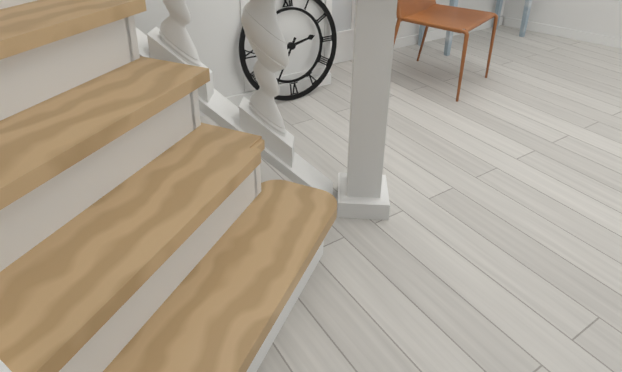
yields 2h35
